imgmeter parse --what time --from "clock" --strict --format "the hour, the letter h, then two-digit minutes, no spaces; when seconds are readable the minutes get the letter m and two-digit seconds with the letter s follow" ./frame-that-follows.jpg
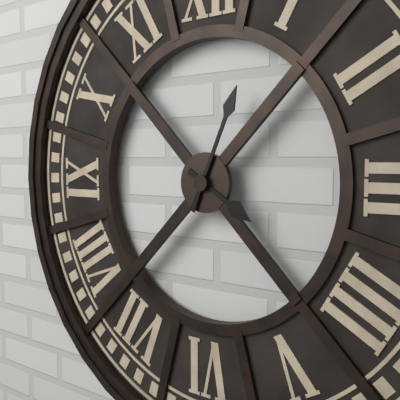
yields 4h04
